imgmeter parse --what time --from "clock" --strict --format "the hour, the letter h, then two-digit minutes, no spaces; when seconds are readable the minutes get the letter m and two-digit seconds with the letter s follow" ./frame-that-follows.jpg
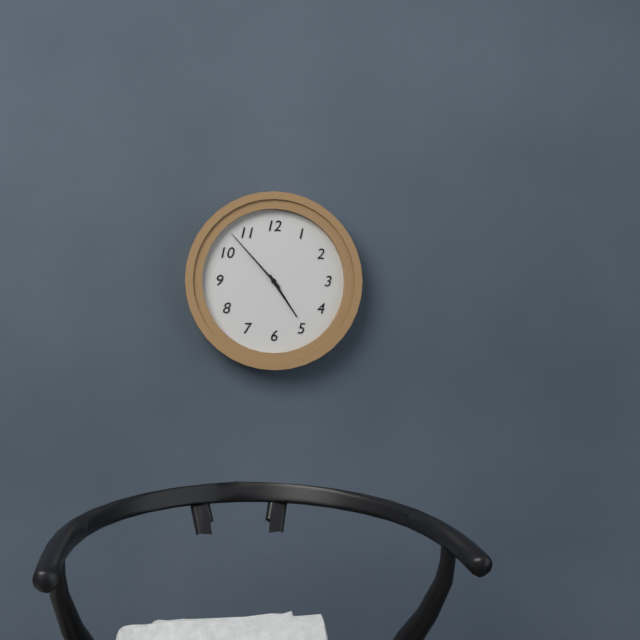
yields 4h53
